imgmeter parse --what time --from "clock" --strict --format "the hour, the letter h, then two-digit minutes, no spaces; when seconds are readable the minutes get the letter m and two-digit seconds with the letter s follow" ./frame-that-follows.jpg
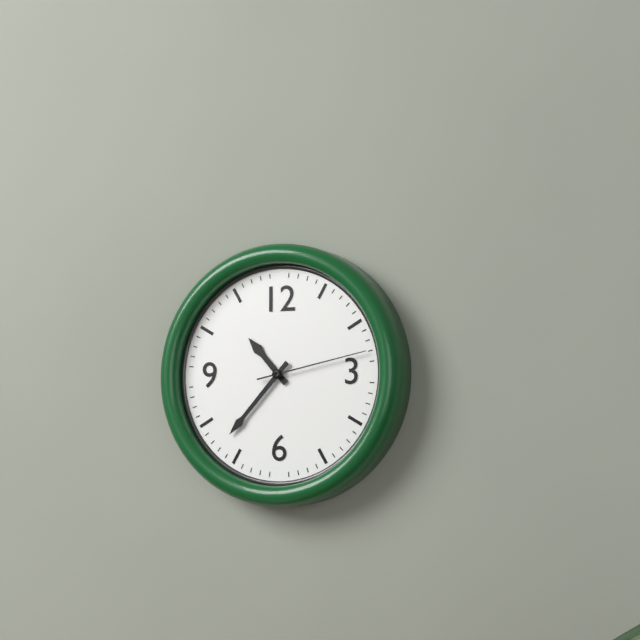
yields 10h37m13s
